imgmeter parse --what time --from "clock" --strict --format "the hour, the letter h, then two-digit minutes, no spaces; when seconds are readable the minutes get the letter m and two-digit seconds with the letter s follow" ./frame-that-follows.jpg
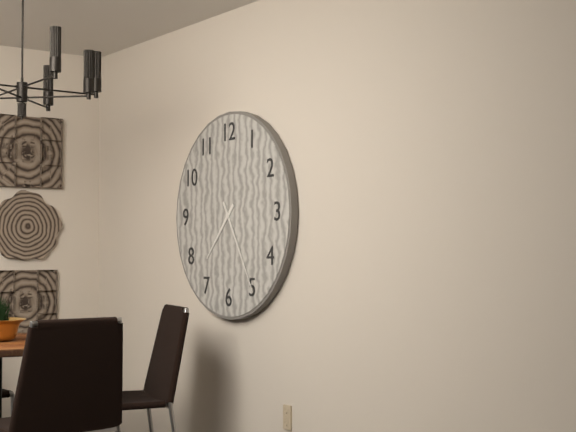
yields 7h25
